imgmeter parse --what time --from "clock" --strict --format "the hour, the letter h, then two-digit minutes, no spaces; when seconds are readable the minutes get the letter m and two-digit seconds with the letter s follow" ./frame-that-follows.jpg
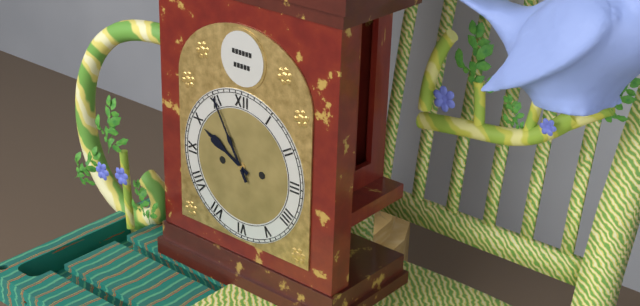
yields 9h55
